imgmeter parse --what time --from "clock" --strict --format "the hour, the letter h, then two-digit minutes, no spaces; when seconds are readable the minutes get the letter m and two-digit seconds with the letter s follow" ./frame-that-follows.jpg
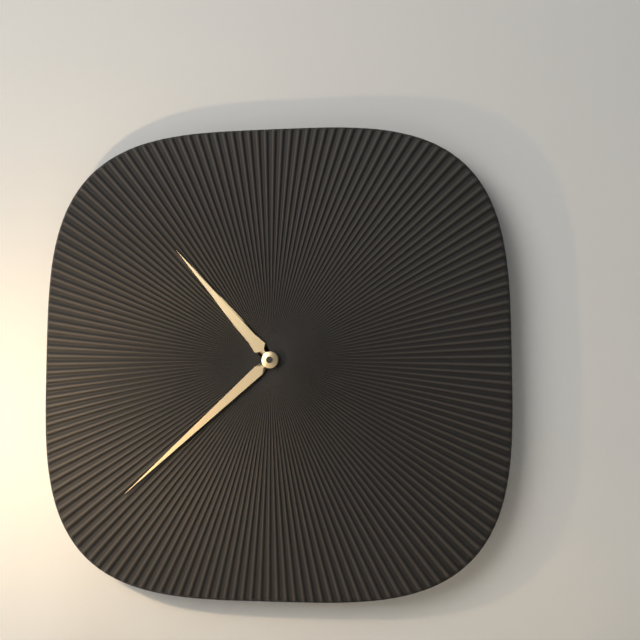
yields 10h38
